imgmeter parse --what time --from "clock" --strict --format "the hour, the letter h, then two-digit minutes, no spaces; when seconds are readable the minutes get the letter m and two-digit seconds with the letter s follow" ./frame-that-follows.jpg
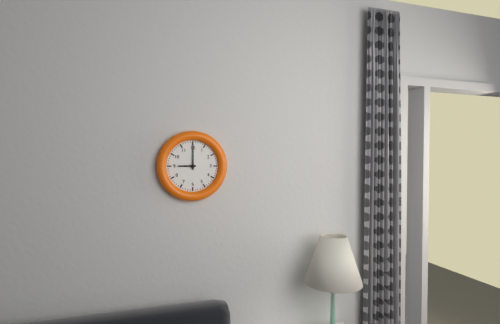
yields 9h00
